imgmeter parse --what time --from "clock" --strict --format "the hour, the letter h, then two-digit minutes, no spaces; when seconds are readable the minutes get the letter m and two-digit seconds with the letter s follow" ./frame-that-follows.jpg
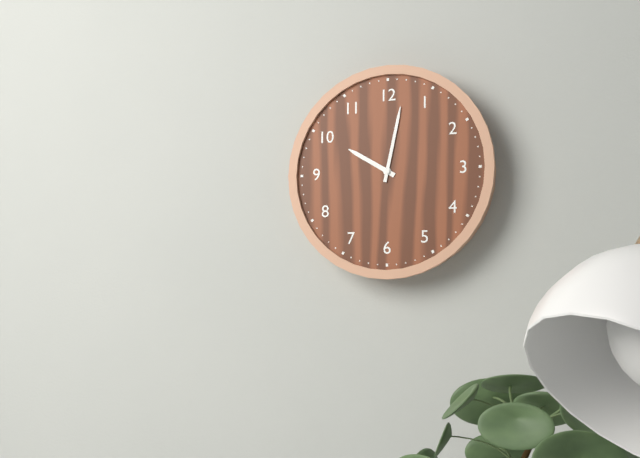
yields 10h02
